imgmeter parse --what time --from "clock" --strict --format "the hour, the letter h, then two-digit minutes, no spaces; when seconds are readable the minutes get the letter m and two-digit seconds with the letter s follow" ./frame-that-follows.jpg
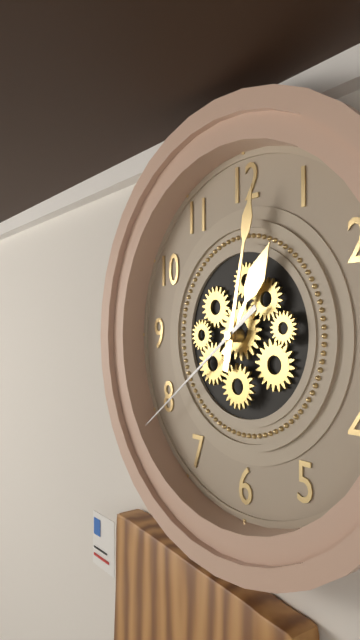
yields 1h02m39s
